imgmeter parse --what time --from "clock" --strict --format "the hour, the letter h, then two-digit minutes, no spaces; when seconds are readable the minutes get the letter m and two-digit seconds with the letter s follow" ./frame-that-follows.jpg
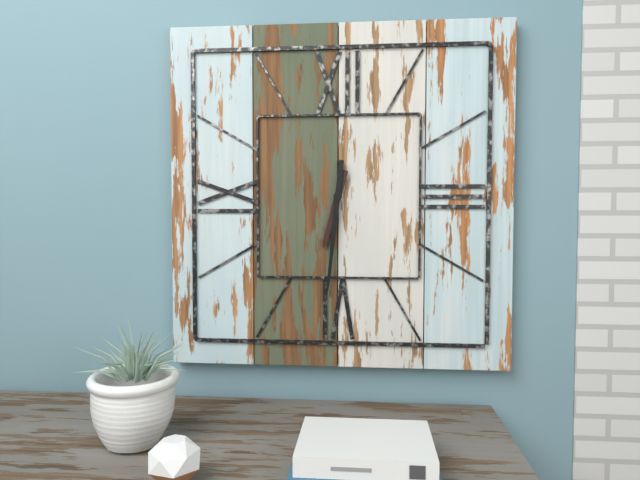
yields 6h31
